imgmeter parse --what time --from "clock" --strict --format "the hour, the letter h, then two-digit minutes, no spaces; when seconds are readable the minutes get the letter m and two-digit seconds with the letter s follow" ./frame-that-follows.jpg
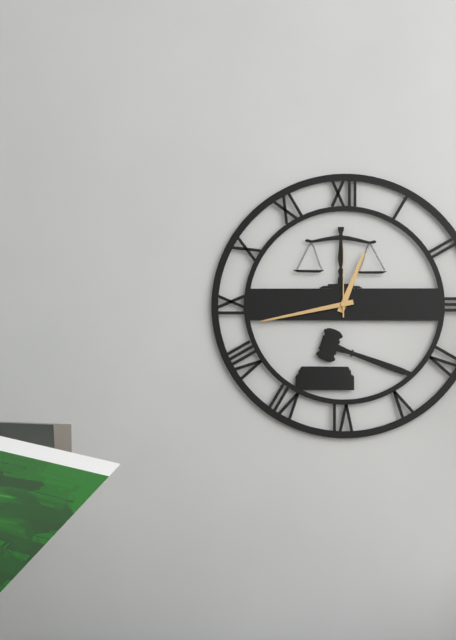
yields 12h43m00s
